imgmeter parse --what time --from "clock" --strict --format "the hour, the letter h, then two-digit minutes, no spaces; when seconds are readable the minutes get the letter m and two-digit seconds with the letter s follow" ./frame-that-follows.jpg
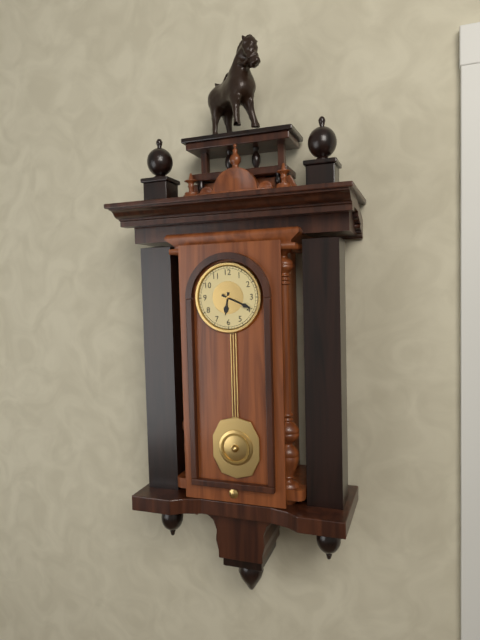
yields 6h19
